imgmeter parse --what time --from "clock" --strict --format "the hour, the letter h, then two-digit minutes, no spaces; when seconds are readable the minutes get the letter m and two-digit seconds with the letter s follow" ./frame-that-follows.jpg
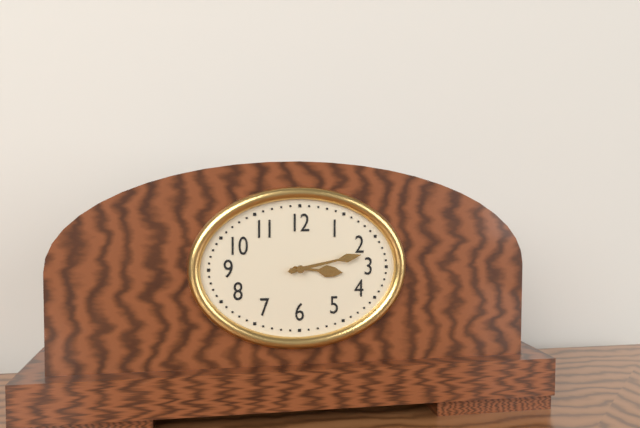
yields 3h13
